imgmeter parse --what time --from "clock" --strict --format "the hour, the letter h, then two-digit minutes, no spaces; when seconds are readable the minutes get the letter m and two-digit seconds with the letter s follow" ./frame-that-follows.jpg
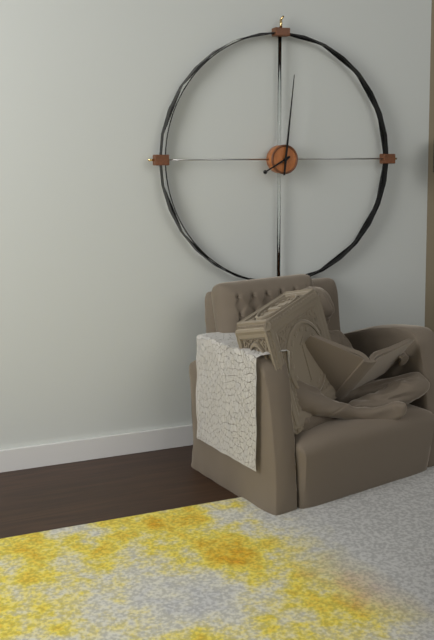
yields 8h01
